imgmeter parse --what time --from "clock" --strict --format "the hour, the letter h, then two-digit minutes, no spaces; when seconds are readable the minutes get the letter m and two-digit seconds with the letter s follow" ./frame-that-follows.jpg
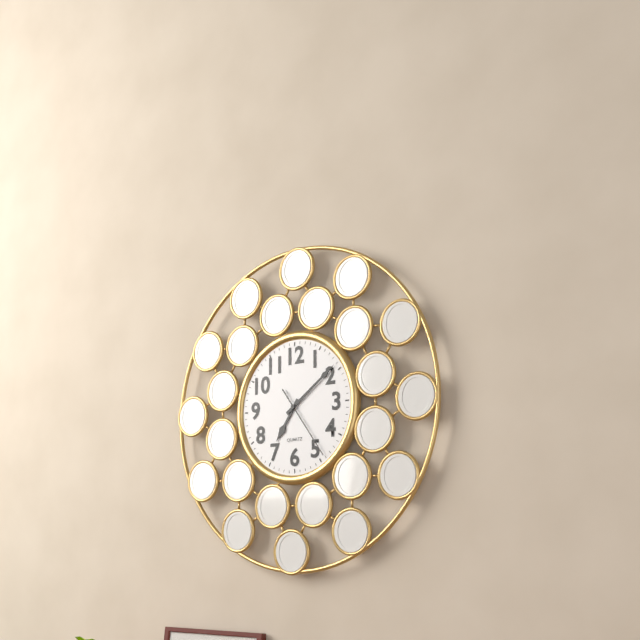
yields 7h09m24s
